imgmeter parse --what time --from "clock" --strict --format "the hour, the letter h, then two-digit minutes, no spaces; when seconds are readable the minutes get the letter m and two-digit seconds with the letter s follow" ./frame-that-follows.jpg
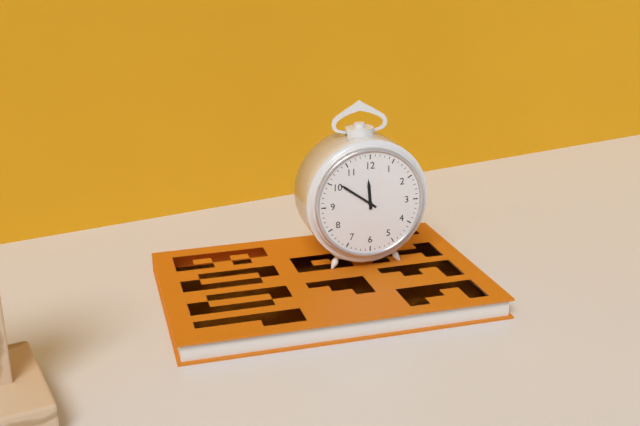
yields 11h51
